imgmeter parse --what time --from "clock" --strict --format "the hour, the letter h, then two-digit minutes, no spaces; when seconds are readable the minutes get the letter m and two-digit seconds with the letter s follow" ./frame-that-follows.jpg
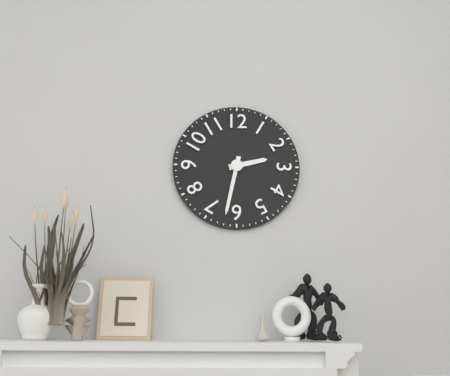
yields 2h32
